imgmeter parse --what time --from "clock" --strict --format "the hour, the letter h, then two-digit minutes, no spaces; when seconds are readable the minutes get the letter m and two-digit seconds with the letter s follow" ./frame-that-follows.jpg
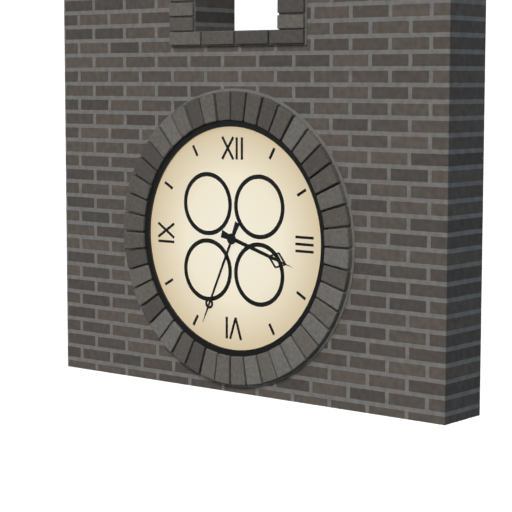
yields 3h34
